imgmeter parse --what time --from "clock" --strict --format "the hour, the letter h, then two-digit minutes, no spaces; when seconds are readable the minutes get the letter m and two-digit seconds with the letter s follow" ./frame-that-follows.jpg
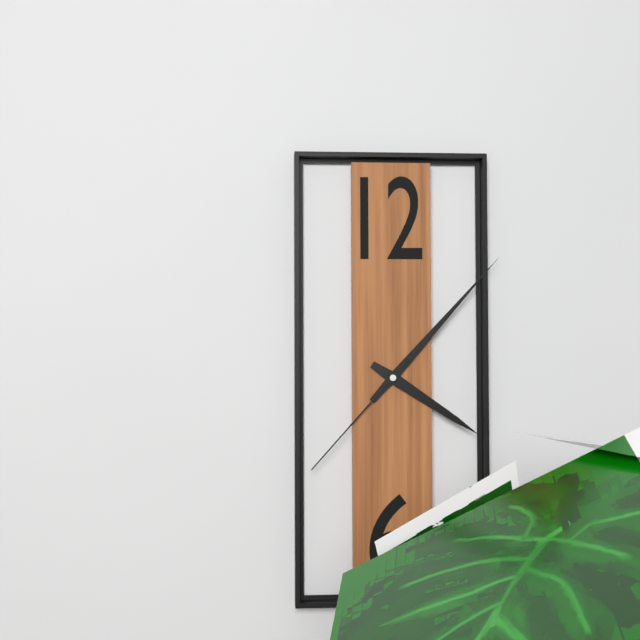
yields 4h07m37s
